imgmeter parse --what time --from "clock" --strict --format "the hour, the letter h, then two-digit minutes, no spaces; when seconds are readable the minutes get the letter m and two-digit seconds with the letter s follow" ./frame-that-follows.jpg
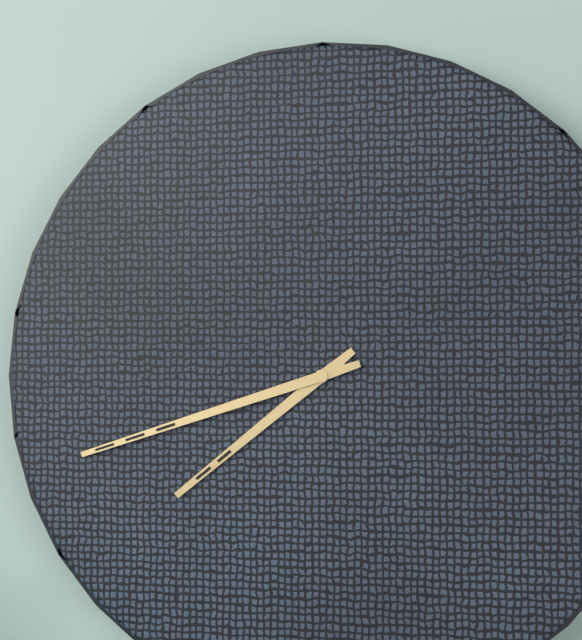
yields 7h42
